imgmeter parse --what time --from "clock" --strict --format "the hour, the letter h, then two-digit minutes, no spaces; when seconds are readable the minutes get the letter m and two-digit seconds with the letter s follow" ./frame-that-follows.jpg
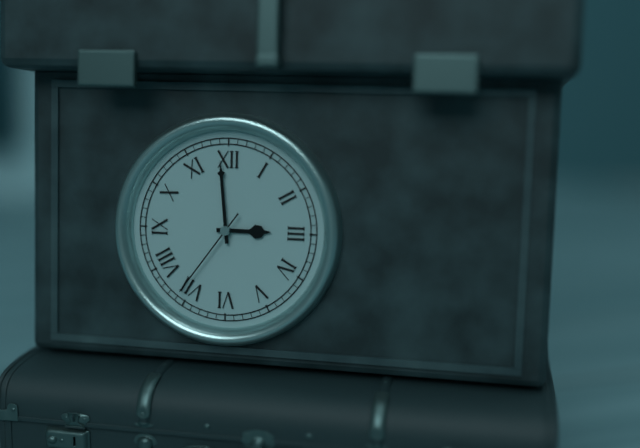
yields 2h59m36s
